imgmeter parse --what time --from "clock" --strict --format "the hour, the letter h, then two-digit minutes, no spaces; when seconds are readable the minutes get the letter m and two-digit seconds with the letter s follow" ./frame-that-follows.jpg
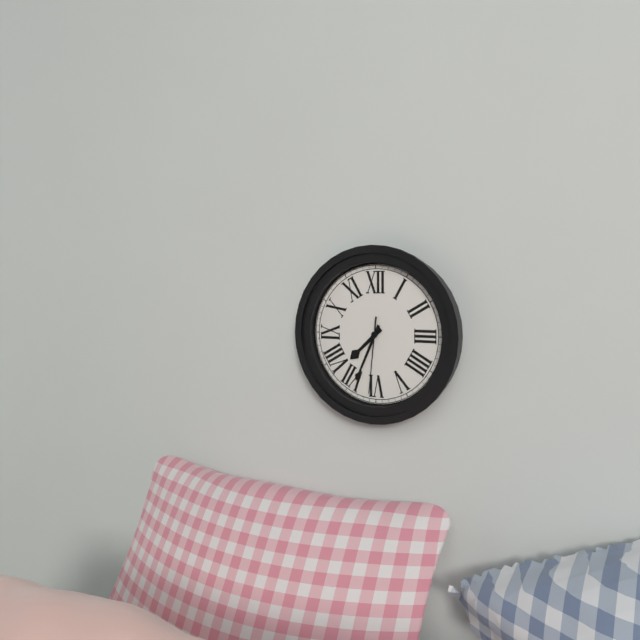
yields 7h34m31s
